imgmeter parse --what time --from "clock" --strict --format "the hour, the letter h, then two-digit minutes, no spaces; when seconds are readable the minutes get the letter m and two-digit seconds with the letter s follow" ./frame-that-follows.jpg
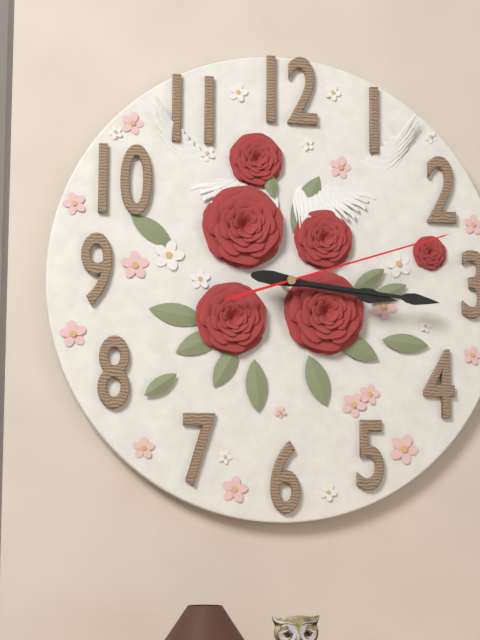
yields 3h16m12s
